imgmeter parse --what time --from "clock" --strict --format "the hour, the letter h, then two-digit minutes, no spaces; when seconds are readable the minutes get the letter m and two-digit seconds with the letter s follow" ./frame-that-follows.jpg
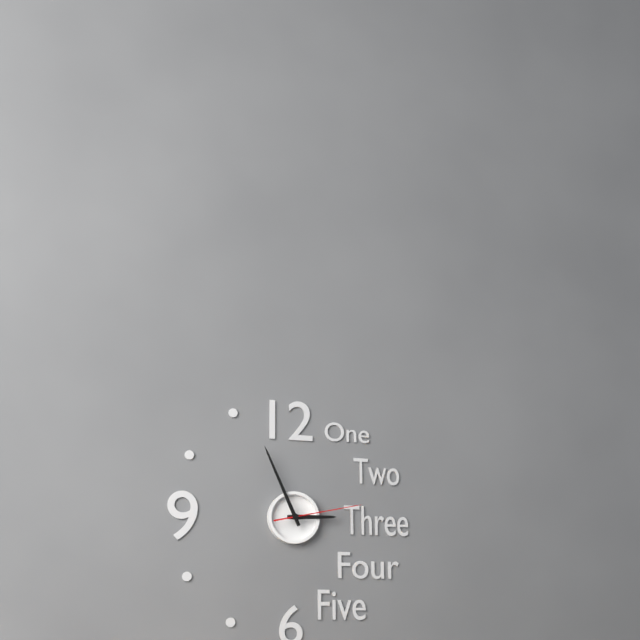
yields 2h56m13s
